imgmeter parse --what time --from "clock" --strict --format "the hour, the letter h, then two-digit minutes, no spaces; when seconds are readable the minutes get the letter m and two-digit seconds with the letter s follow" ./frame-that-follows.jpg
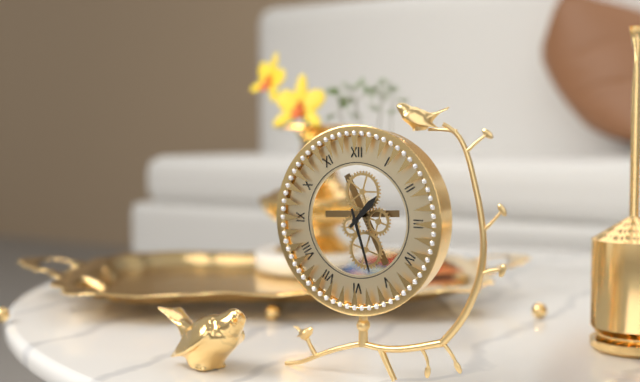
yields 1h27
